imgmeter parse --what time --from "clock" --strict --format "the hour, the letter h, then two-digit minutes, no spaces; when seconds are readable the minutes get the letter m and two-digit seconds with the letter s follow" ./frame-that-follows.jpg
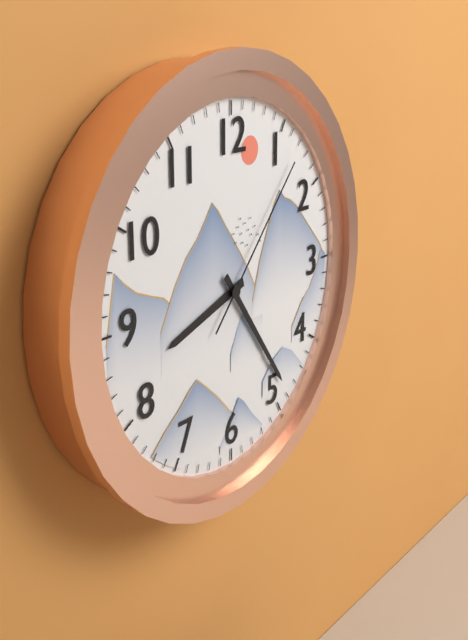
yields 8h24m07s
